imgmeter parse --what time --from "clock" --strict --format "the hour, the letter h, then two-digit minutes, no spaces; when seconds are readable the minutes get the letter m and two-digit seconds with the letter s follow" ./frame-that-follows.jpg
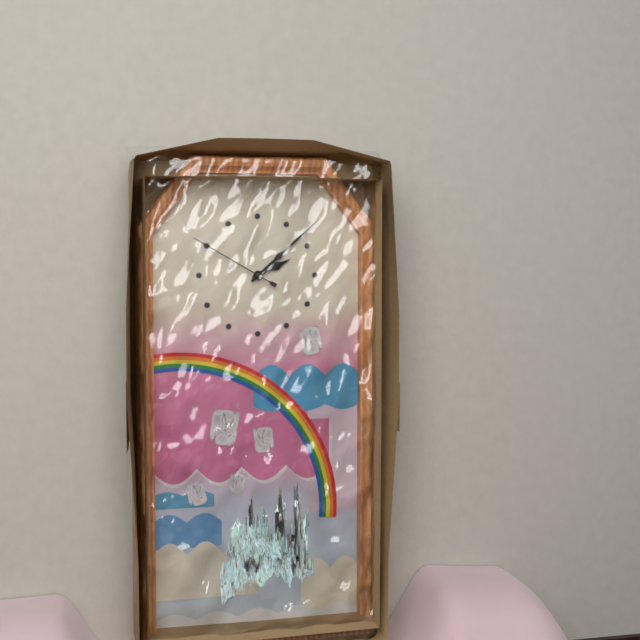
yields 2h08m50s
